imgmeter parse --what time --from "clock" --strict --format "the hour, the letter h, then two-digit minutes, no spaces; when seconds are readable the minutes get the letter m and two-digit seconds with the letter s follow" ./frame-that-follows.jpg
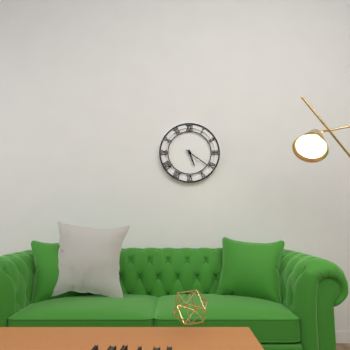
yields 5h21
